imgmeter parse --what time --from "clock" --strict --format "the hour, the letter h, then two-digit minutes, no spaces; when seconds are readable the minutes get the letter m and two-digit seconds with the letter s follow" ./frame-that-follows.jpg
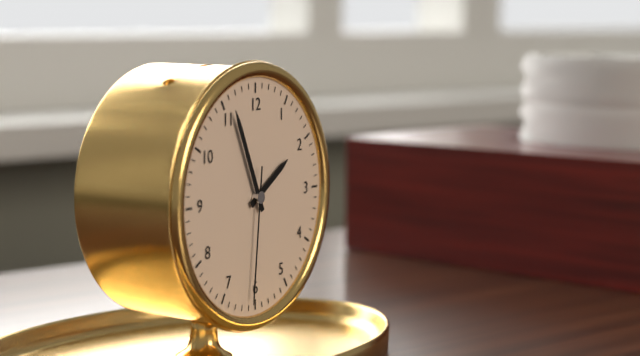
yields 1h56m31s
